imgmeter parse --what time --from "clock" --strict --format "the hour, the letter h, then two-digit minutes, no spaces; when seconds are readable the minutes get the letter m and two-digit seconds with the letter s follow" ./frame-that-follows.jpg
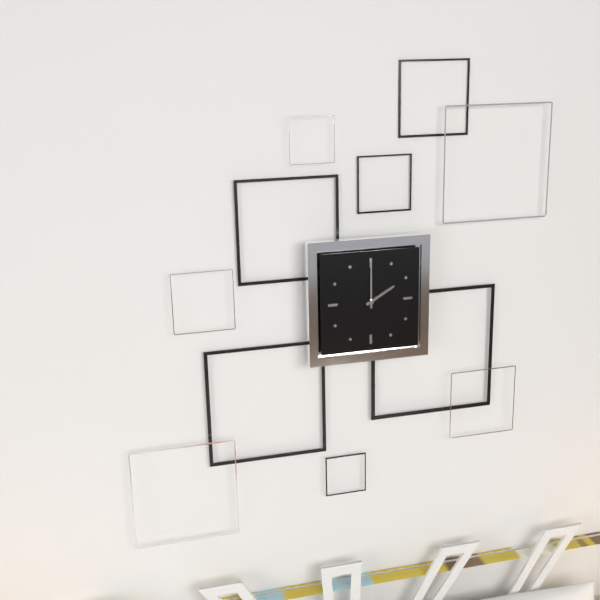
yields 2h00
